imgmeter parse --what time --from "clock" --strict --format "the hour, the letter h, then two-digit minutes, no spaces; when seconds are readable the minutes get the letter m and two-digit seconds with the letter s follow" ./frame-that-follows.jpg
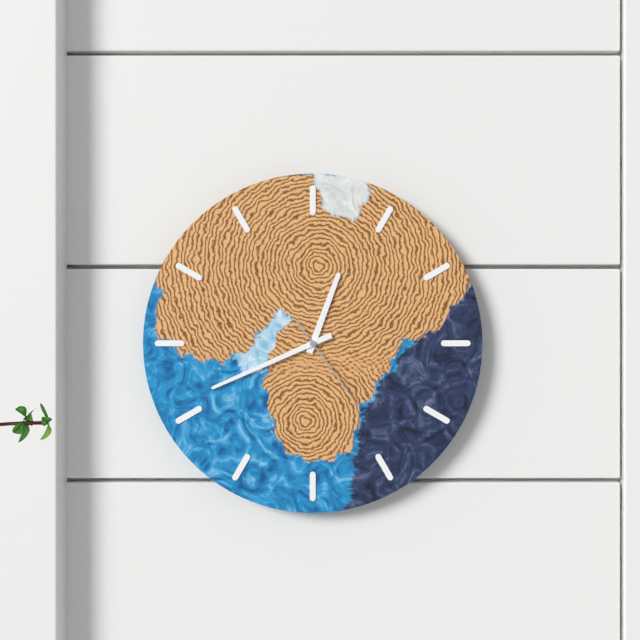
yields 12h41m24s
